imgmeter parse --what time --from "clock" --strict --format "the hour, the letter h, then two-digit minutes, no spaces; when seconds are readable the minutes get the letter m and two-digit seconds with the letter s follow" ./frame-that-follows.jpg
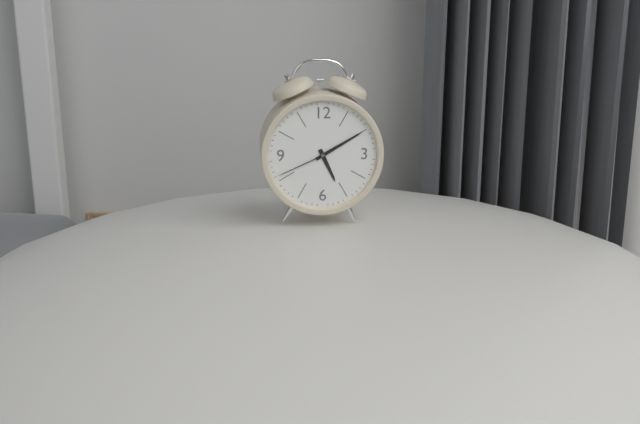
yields 5h10m41s
